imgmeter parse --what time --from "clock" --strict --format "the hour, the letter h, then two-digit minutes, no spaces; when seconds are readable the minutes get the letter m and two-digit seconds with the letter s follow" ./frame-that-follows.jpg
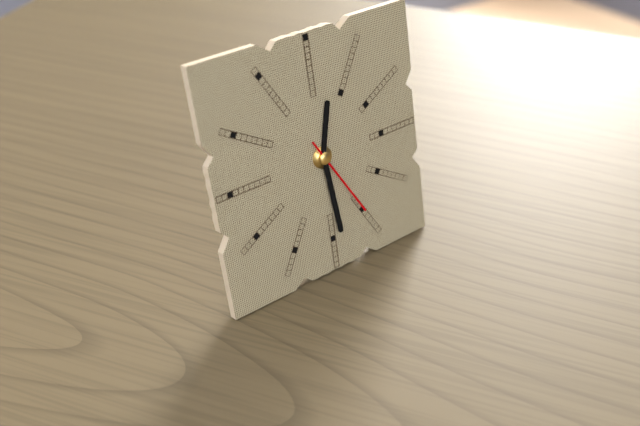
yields 12h29m25s
